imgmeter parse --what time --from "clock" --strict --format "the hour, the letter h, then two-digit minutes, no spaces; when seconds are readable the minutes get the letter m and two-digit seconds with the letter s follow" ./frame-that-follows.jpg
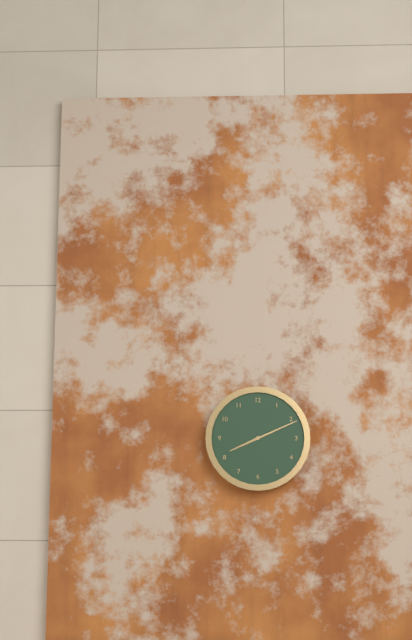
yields 8h11
